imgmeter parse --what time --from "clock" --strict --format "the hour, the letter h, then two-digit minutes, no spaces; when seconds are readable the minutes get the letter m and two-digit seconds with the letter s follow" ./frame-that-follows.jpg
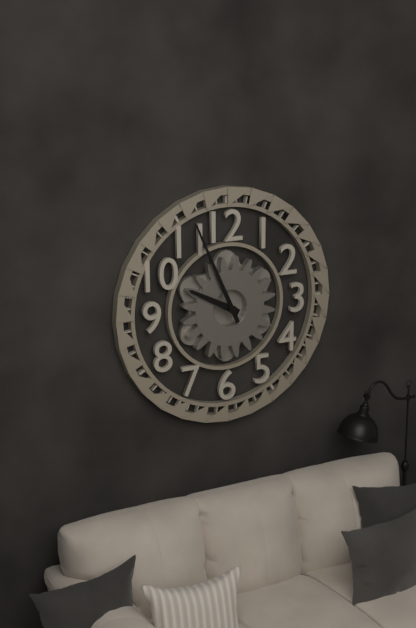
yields 9h56
